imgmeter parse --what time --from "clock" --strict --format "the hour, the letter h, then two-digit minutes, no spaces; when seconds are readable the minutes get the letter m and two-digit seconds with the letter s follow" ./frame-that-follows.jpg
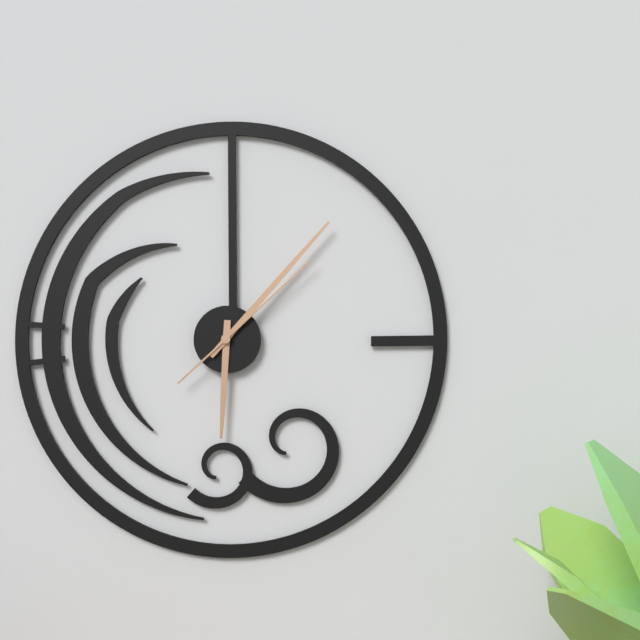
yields 6h07m08s
